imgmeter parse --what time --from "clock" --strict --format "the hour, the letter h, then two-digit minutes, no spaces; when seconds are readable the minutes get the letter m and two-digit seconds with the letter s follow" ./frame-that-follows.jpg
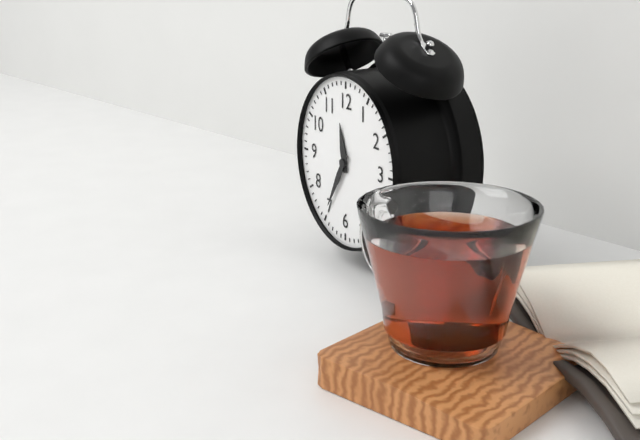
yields 11h35
